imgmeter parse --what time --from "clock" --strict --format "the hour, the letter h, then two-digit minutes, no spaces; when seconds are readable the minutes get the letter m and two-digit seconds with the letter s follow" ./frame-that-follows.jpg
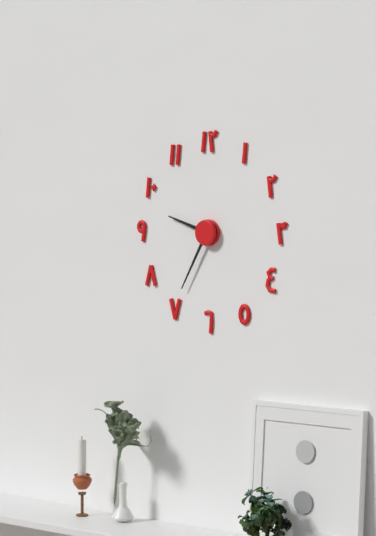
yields 9h35
